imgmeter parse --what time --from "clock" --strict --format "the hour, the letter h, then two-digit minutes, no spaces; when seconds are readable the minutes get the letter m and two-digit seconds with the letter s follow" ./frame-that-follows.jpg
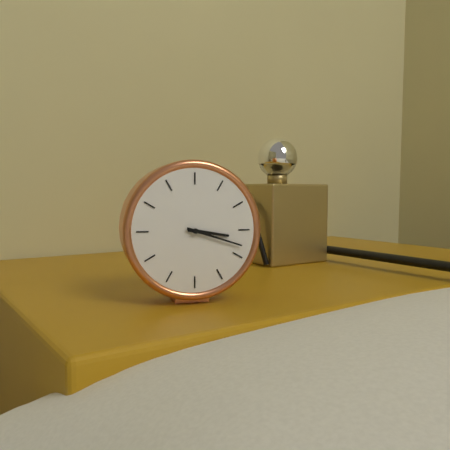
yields 3h18
